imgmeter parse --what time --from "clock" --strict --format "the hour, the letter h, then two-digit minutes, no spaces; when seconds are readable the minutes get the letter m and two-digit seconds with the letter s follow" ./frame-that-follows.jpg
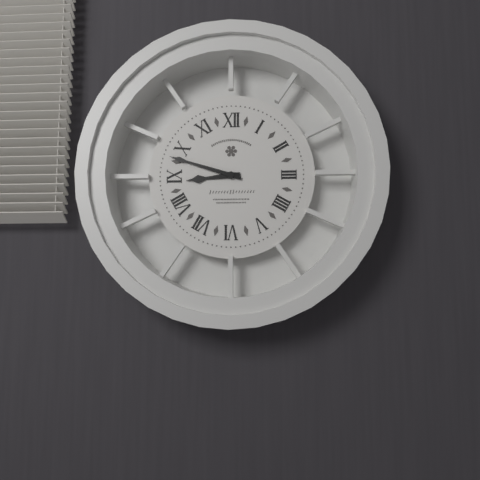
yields 8h48
